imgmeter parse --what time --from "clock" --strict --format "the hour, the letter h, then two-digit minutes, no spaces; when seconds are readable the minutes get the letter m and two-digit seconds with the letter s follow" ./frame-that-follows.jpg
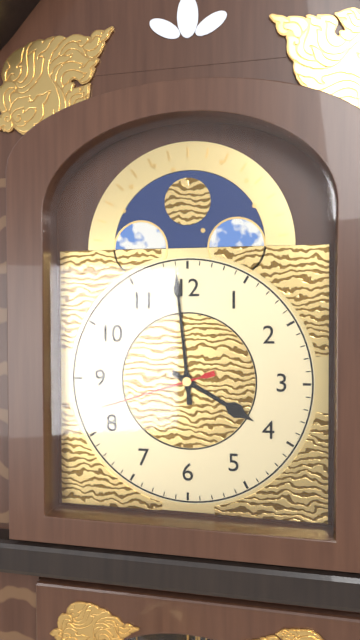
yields 3h59m42s
